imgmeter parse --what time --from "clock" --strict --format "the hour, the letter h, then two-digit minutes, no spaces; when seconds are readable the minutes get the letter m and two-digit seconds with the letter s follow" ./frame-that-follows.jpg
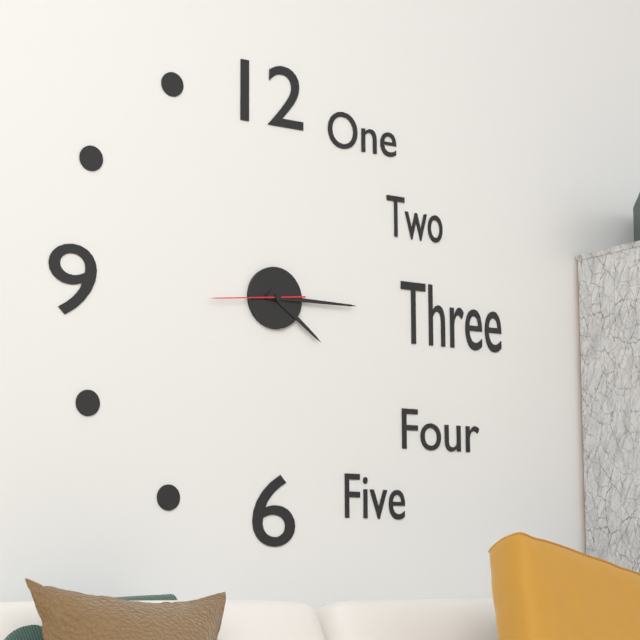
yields 4h15m44s
